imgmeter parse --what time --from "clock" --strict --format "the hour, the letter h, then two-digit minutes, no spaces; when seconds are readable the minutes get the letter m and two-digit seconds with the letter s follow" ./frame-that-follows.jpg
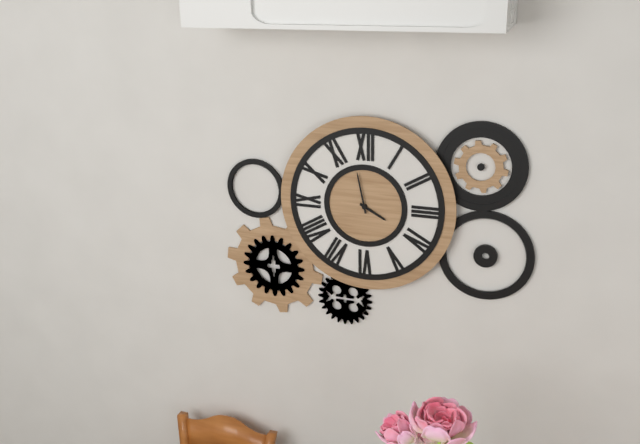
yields 3h58
